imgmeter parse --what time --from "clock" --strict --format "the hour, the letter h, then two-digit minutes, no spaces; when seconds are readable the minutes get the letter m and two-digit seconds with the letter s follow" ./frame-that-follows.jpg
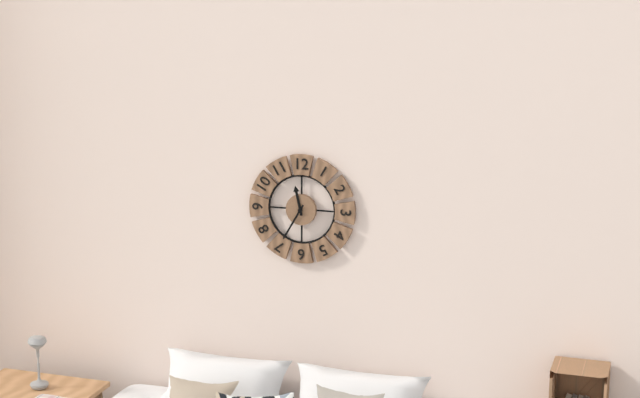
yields 11h35
